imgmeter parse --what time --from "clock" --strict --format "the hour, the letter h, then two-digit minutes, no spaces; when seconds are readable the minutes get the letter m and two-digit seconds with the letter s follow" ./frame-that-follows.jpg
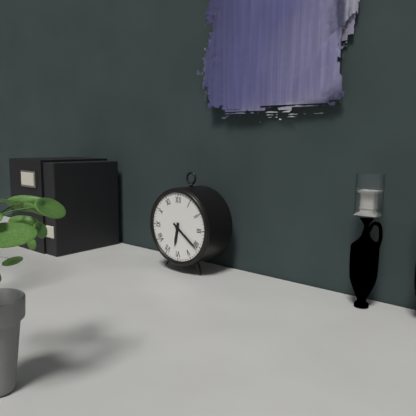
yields 6h21
